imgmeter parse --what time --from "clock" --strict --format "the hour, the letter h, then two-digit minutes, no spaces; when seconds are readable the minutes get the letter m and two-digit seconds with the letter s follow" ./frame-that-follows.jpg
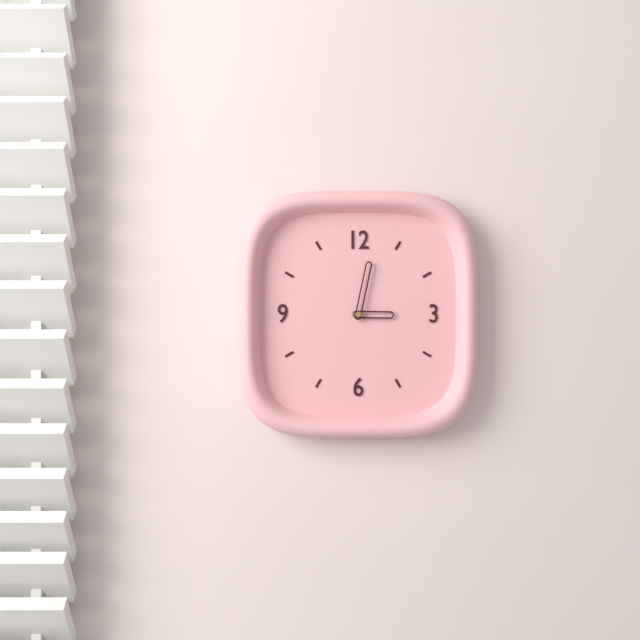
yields 3h02
